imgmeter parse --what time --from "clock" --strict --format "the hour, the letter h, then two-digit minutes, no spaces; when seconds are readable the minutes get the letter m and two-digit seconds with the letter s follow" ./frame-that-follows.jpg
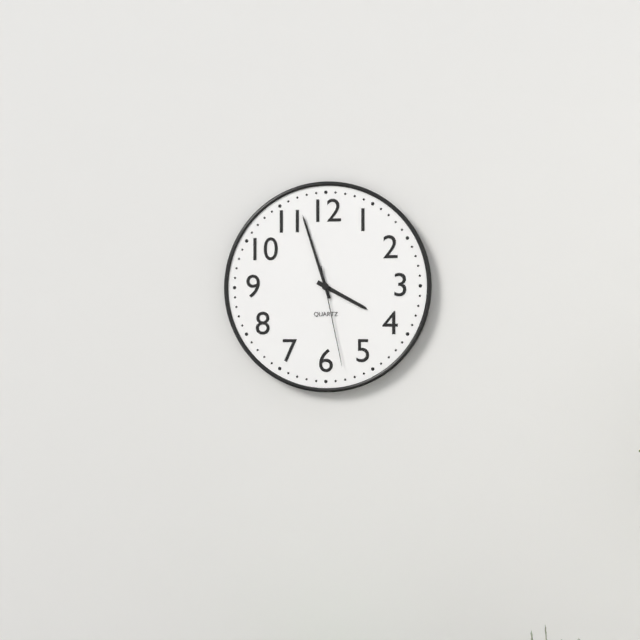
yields 3h57m28s
